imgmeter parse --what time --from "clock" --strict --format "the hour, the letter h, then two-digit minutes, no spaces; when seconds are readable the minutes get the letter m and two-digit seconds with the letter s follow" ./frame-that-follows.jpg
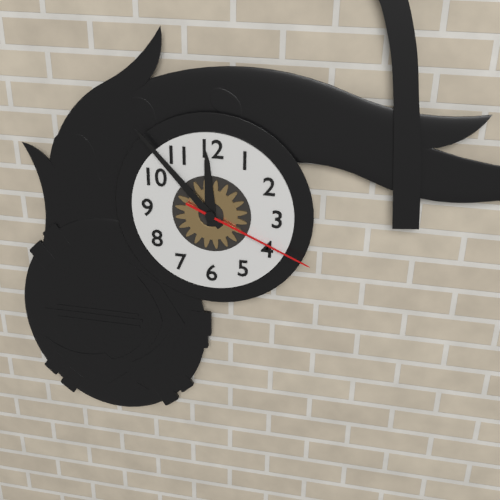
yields 11h53m19s
